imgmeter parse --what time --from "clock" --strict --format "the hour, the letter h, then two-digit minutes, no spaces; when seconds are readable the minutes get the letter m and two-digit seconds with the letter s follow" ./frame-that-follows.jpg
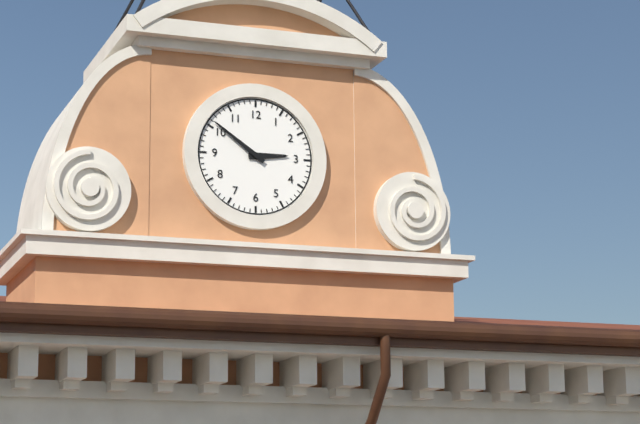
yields 2h51
